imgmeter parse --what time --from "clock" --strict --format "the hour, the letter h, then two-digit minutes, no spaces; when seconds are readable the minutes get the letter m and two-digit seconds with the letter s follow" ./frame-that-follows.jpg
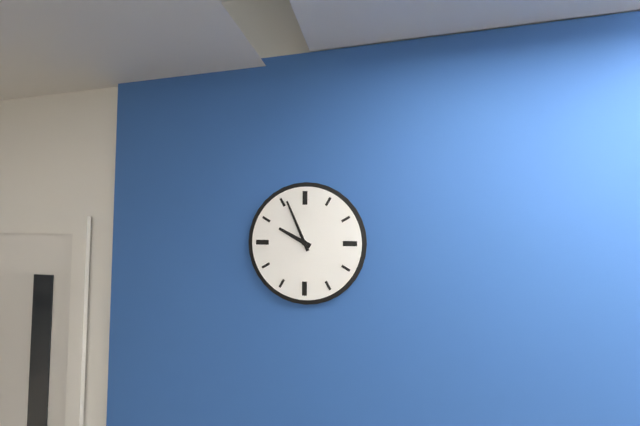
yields 9h56
